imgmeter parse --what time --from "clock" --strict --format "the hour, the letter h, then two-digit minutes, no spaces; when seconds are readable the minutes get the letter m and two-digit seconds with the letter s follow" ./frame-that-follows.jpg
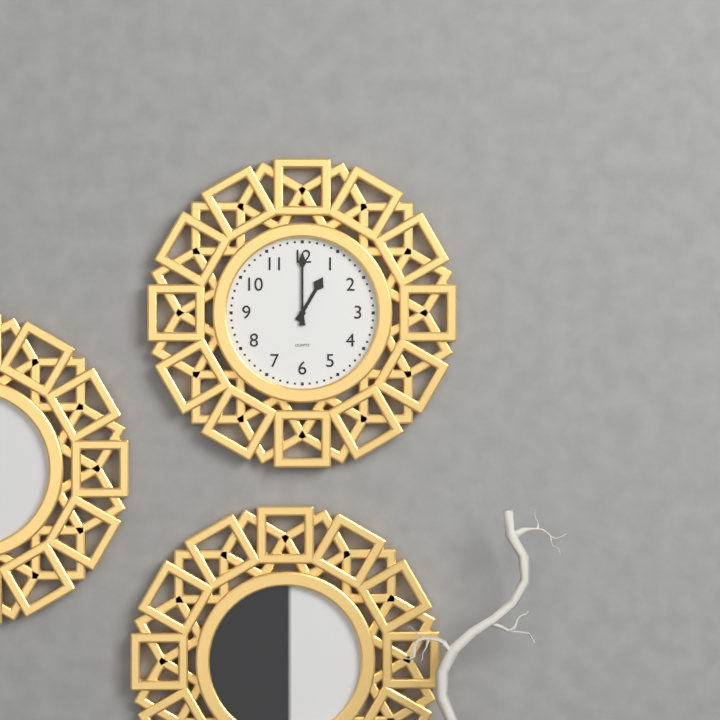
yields 1h00
